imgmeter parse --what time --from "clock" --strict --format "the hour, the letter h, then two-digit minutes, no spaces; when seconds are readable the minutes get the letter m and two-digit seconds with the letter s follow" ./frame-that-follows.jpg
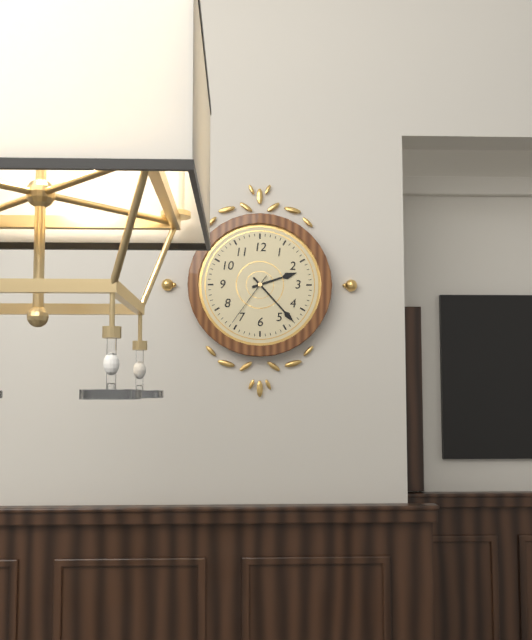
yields 2h23m36s
